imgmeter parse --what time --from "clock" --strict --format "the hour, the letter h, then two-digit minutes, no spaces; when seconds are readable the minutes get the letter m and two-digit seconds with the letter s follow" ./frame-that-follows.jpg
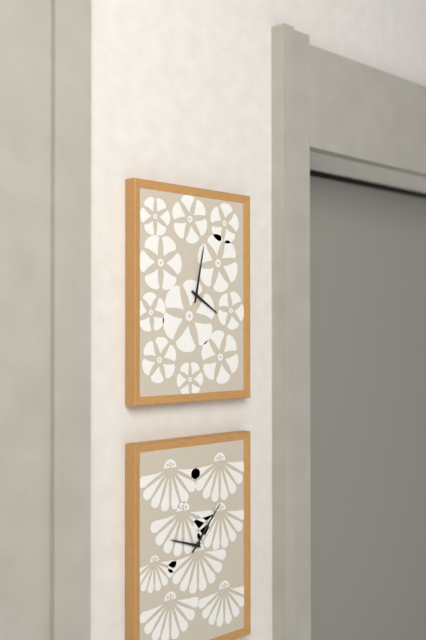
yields 4h02
